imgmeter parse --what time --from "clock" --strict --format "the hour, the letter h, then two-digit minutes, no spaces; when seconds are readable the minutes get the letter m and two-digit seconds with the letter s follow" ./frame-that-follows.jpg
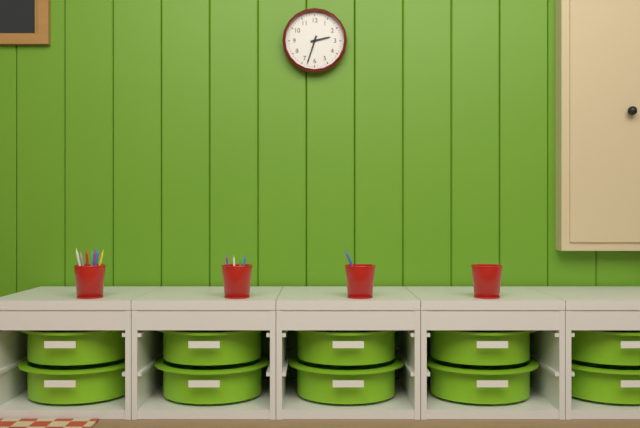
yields 2h33
